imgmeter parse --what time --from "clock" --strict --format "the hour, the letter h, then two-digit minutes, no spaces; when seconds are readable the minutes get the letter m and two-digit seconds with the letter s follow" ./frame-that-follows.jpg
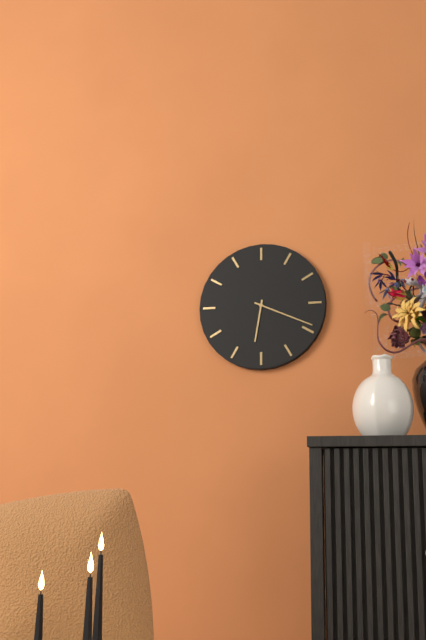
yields 6h19
